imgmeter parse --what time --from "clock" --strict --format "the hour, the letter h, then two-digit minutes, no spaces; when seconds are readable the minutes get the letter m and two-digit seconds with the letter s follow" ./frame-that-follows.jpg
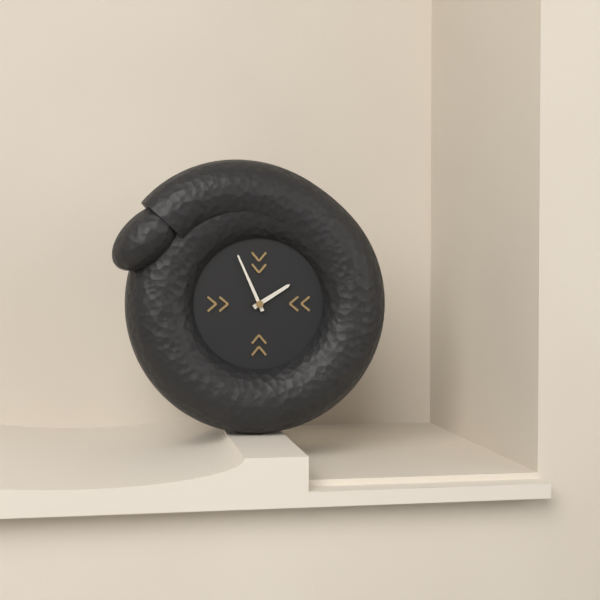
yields 1h56
